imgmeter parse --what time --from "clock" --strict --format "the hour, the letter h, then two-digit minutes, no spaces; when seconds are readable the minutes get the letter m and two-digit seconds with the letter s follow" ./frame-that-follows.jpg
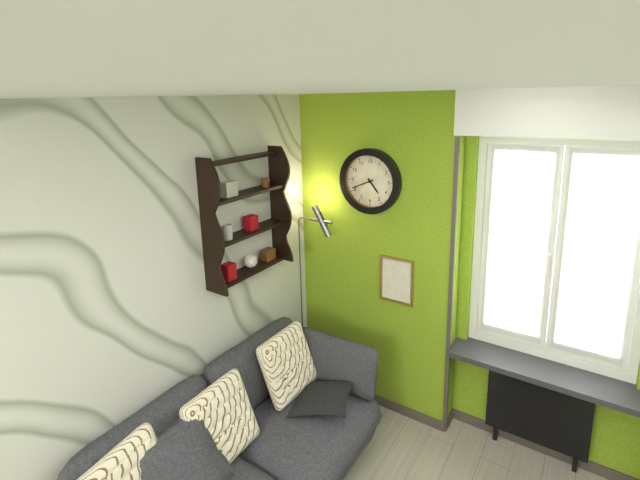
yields 4h41
